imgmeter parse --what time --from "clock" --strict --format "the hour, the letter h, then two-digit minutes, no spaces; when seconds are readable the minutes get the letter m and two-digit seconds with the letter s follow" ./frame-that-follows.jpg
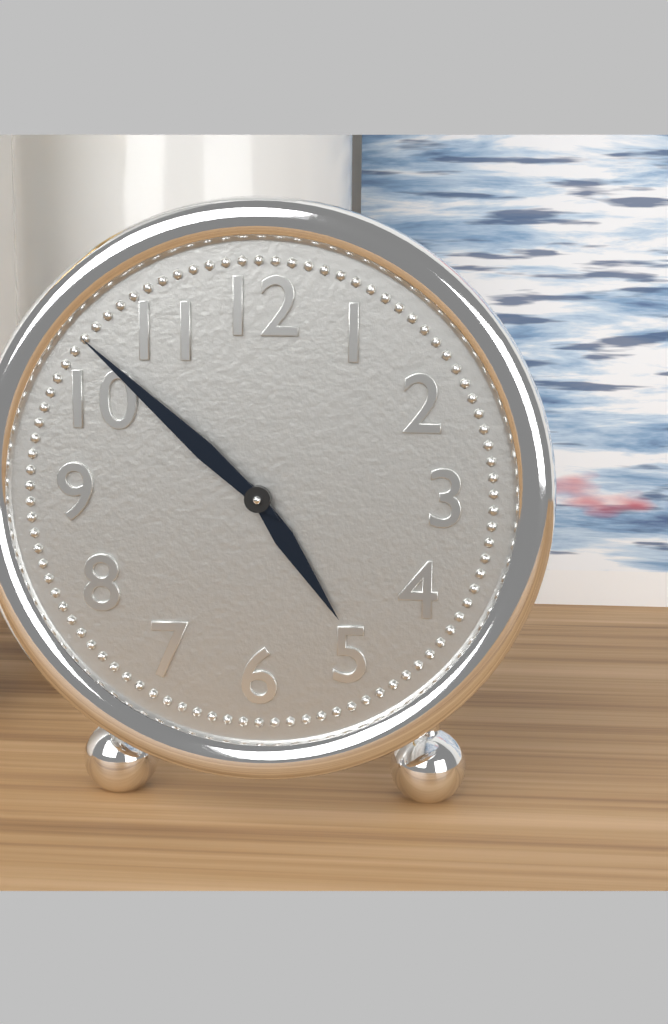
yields 4h52
